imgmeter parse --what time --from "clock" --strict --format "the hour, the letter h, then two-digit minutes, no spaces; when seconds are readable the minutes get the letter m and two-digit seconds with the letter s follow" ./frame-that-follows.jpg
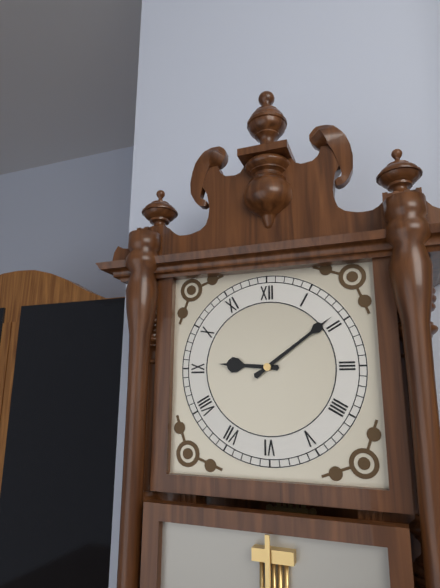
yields 9h09
